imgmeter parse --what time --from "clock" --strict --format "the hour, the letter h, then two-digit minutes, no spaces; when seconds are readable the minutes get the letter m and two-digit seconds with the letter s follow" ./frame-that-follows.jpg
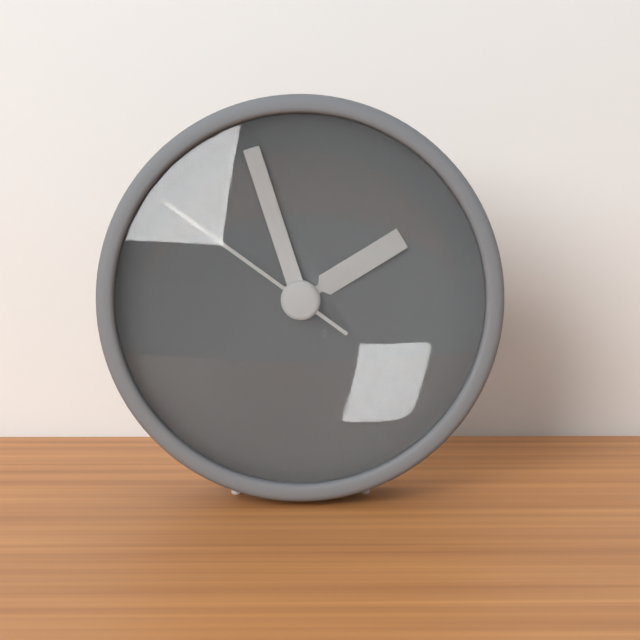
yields 1h57m51s
